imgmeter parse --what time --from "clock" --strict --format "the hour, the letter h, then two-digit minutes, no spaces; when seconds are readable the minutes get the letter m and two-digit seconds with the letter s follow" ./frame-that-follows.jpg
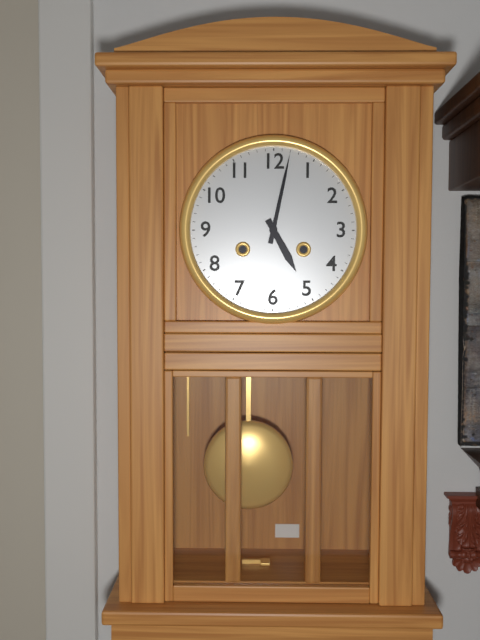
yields 5h02
